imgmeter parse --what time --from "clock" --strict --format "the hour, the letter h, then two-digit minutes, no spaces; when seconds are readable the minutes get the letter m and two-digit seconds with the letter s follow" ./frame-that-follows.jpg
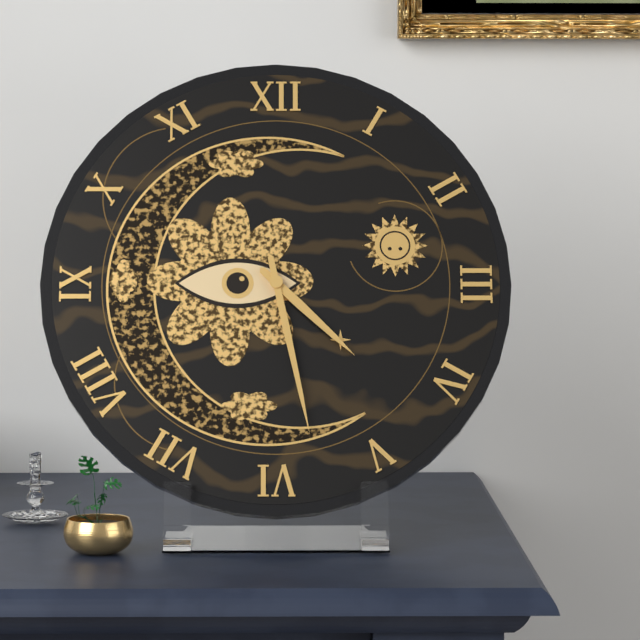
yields 4h28
